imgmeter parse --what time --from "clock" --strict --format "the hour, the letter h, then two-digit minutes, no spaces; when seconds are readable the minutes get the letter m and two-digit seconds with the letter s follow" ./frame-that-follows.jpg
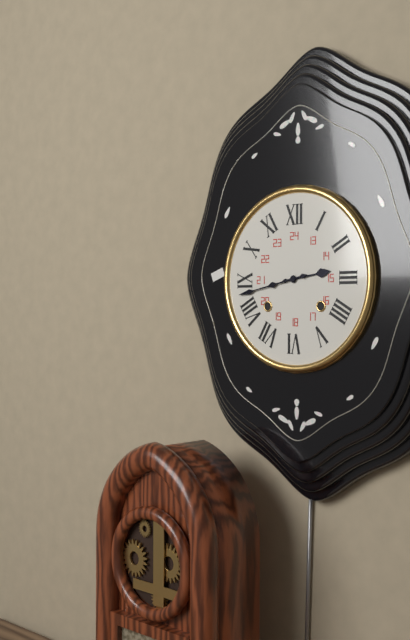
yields 2h43
